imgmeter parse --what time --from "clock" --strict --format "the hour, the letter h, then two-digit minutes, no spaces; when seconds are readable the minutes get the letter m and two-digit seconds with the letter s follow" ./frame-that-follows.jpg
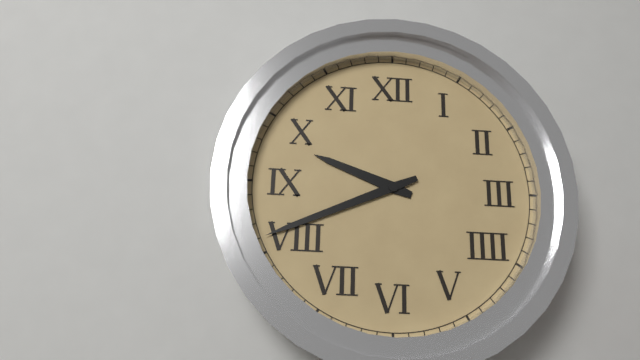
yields 9h41
